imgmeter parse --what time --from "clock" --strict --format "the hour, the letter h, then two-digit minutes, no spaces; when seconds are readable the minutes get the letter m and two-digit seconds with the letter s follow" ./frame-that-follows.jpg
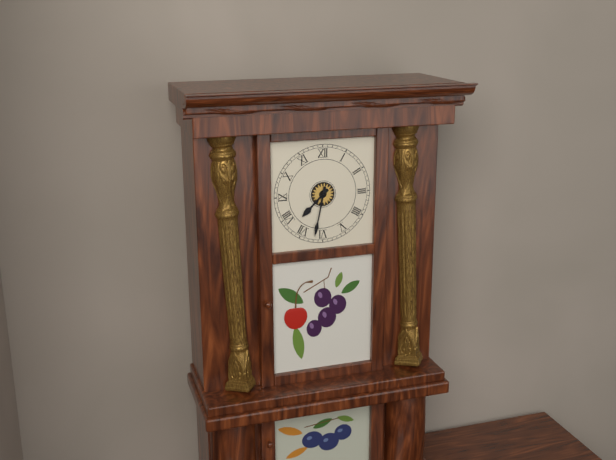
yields 7h32
